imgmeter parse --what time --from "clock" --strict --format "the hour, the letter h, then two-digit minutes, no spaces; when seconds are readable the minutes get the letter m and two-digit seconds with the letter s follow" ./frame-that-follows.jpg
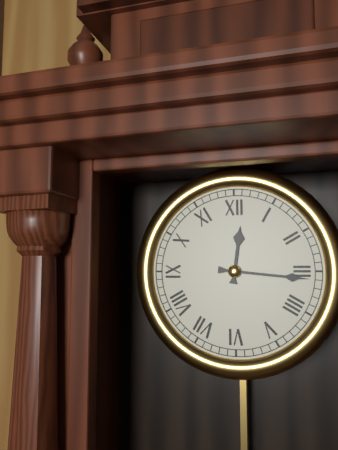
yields 12h16
